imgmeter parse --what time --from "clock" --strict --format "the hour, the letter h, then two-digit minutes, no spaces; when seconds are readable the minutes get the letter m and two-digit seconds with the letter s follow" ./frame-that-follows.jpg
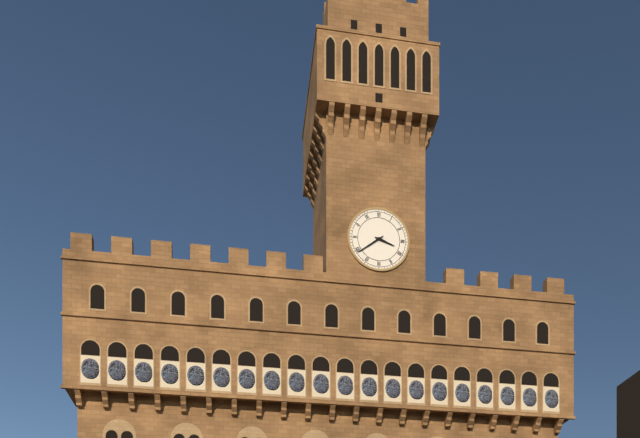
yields 3h39
